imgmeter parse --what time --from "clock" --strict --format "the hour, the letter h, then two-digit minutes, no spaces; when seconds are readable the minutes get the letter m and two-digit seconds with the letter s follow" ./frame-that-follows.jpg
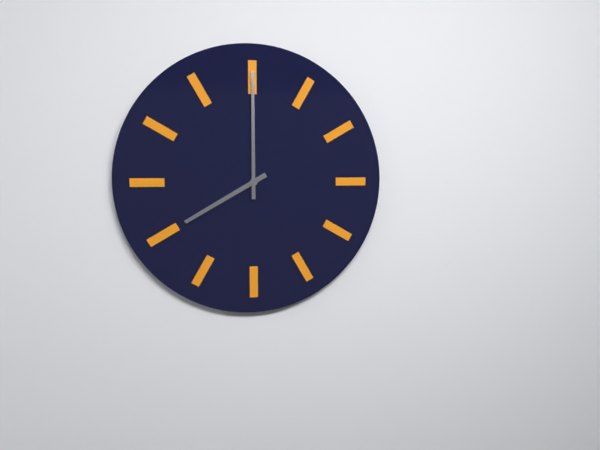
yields 8h00
